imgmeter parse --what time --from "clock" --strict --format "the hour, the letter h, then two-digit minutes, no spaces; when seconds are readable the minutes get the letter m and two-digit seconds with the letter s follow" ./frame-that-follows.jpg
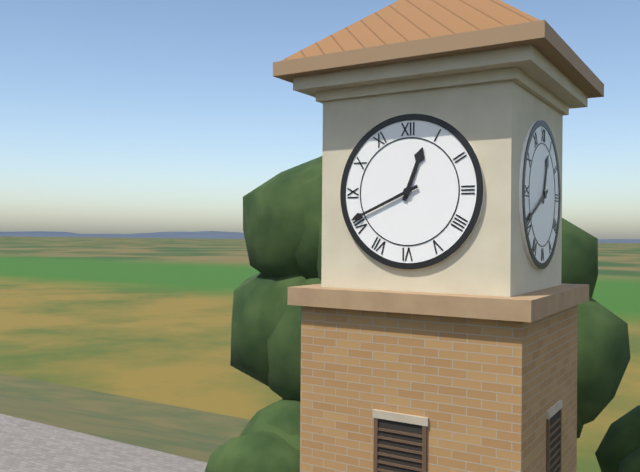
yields 12h41
